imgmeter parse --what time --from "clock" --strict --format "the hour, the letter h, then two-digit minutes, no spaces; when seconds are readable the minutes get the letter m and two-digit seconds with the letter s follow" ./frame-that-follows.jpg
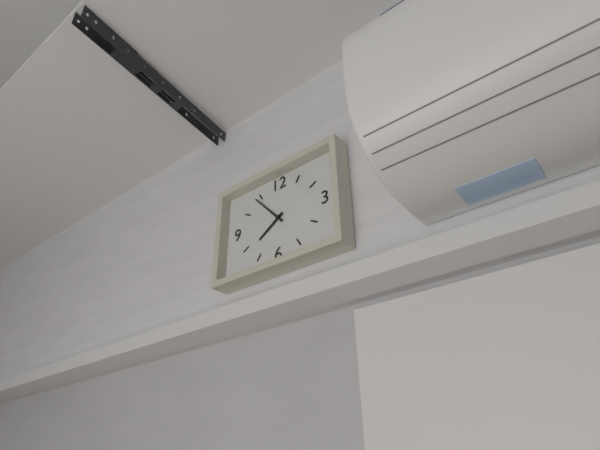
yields 7h53
